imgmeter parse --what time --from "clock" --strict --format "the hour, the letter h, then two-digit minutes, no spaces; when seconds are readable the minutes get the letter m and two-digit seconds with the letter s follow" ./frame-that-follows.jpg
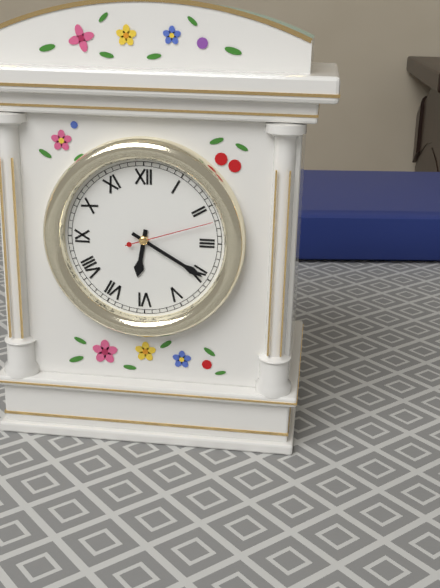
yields 6h20m12s
